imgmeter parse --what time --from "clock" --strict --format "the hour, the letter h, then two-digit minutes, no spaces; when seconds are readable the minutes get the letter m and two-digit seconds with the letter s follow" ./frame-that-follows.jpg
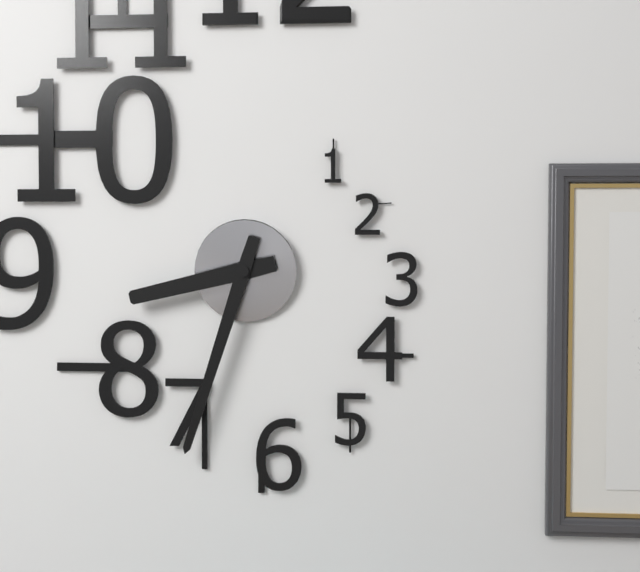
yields 8h33
